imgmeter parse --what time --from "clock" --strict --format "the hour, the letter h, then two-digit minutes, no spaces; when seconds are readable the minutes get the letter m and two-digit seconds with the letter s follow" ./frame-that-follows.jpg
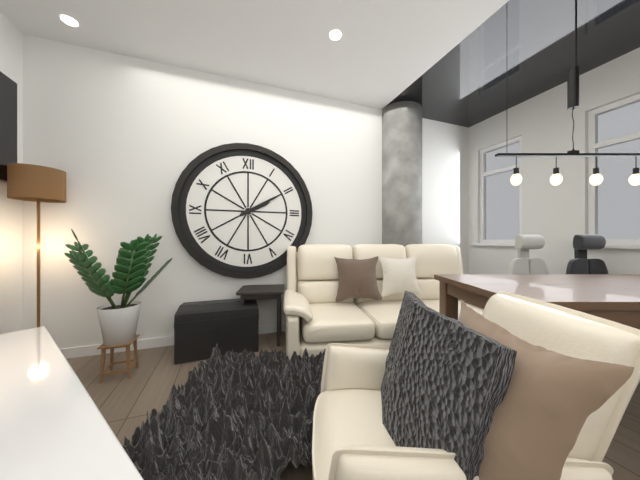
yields 2h10
